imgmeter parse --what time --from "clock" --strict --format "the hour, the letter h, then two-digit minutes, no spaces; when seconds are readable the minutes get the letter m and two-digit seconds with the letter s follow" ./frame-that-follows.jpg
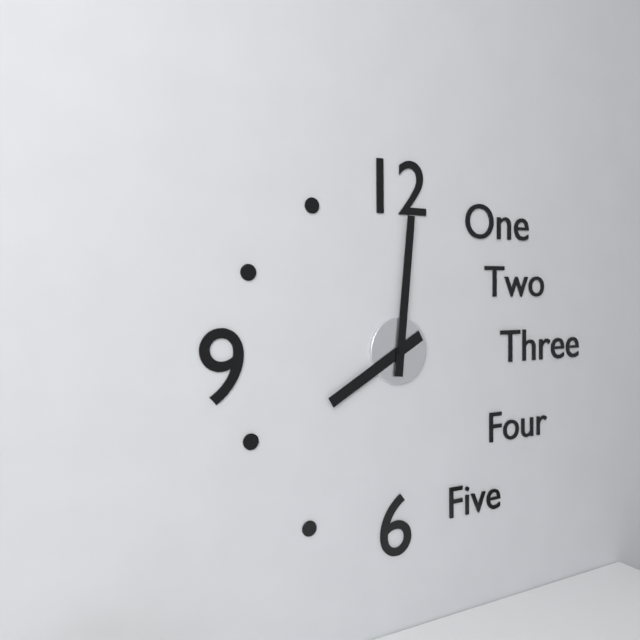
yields 8h01
